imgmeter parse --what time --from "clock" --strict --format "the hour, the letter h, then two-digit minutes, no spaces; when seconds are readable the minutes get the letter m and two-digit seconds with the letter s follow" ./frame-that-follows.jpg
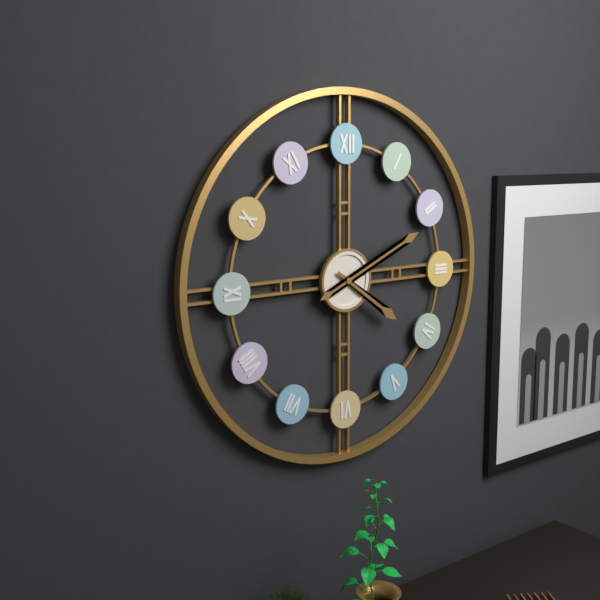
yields 4h11
